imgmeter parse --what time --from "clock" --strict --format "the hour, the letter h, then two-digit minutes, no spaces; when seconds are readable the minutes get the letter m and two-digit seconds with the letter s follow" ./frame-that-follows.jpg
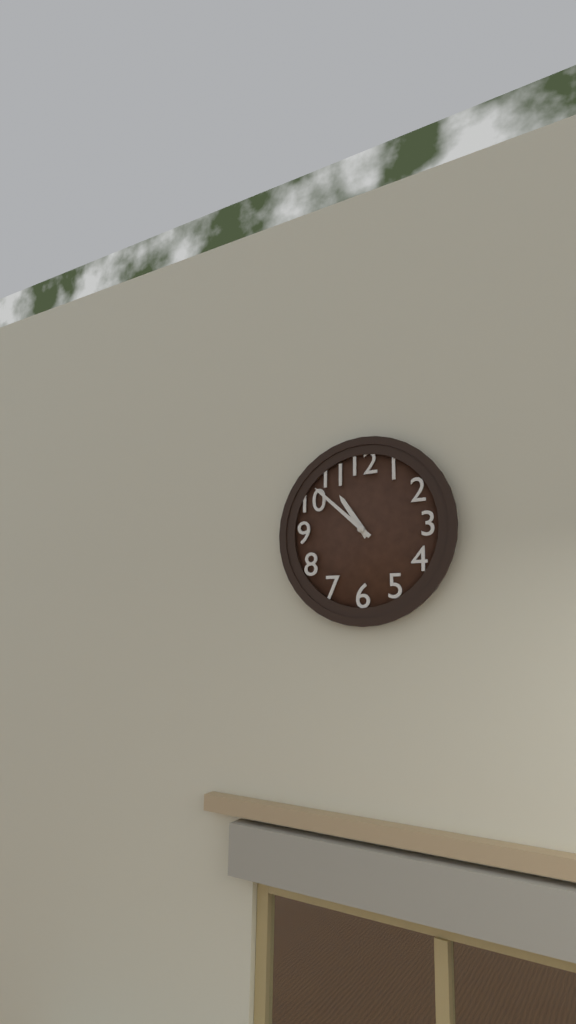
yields 10h52
